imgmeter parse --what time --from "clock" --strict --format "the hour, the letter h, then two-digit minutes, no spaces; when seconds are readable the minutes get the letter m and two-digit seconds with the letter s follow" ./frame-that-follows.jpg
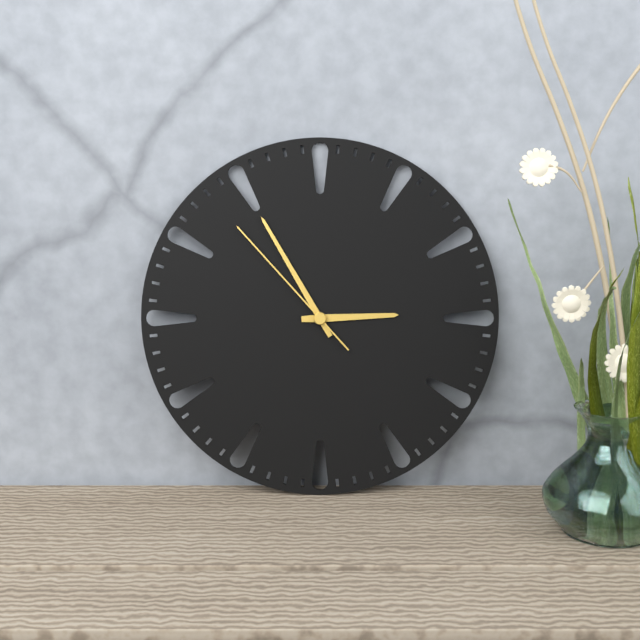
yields 2h55m53s
